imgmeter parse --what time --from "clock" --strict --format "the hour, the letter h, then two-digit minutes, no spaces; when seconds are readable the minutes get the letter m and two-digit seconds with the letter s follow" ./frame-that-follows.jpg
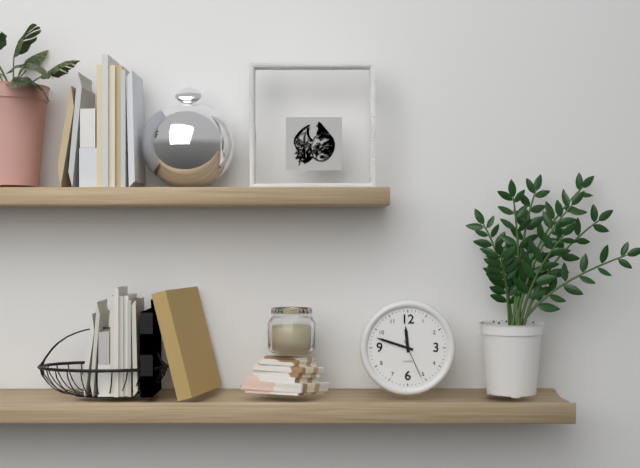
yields 11h48
